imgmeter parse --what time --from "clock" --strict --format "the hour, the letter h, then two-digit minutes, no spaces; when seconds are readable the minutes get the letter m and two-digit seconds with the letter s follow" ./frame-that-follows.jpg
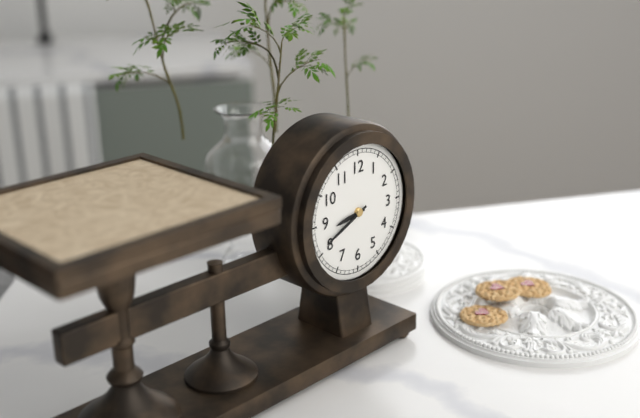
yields 8h41
